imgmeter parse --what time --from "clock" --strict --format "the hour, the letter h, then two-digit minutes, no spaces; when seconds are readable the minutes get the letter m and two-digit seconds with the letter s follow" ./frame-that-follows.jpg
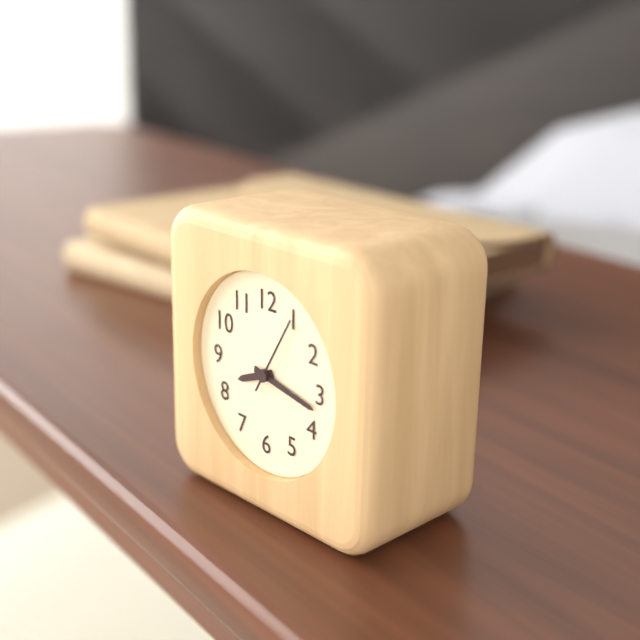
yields 8h17m05s
